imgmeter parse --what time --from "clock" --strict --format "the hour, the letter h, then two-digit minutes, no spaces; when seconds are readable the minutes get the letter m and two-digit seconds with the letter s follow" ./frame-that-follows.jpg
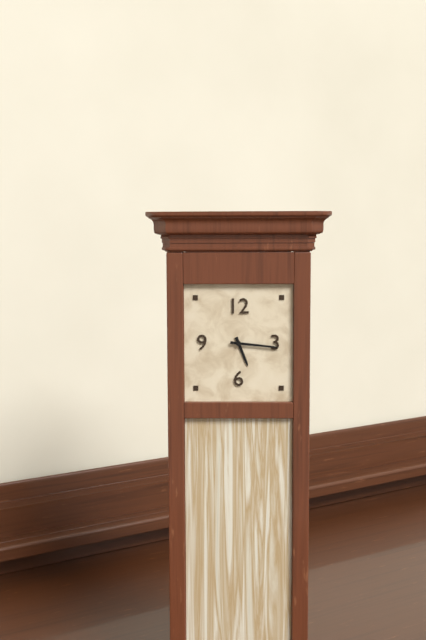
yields 5h16
